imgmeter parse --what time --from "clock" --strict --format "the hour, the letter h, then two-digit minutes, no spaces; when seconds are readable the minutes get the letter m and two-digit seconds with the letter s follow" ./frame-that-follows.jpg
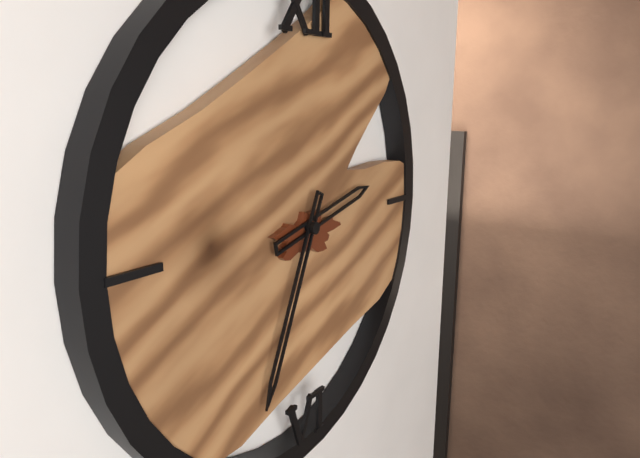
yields 2h34
